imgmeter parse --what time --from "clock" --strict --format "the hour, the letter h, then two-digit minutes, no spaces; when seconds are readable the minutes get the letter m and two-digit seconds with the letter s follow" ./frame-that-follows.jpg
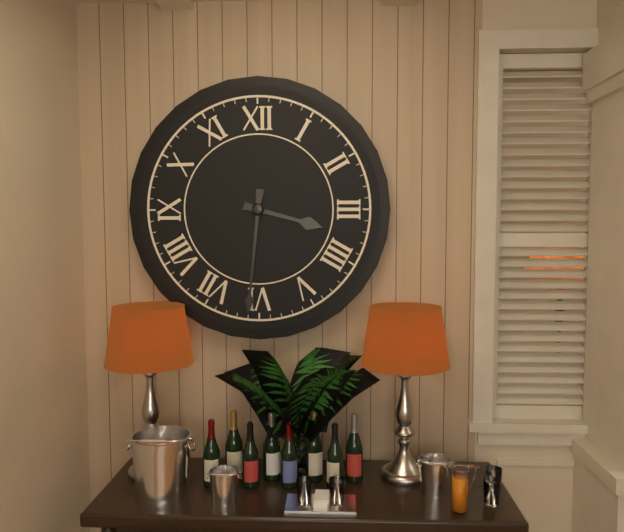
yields 3h31
